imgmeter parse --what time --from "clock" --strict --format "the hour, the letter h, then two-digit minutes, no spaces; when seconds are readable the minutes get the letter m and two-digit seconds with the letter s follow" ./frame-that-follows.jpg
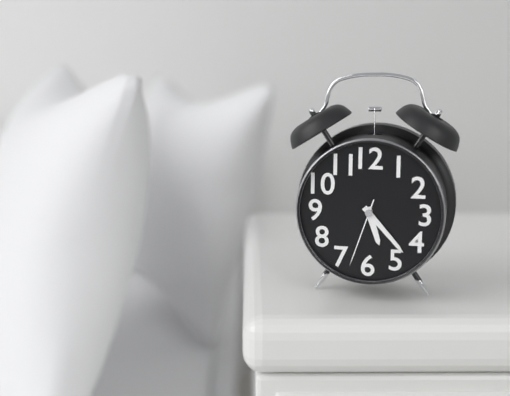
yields 5h23m33s
